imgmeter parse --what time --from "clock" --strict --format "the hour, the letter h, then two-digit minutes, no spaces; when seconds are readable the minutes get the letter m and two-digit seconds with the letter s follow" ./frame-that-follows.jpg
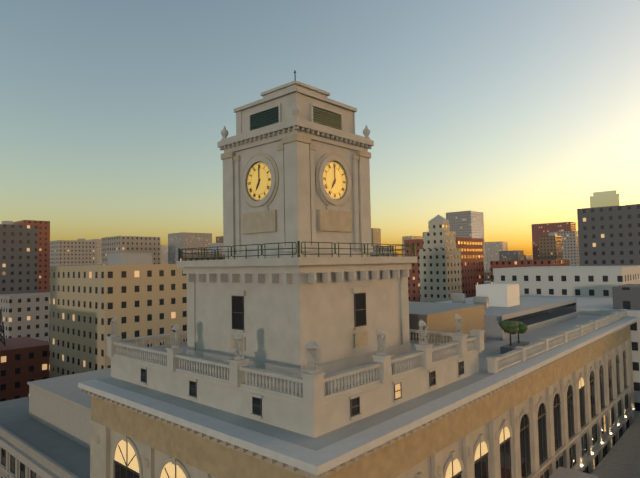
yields 7h00
